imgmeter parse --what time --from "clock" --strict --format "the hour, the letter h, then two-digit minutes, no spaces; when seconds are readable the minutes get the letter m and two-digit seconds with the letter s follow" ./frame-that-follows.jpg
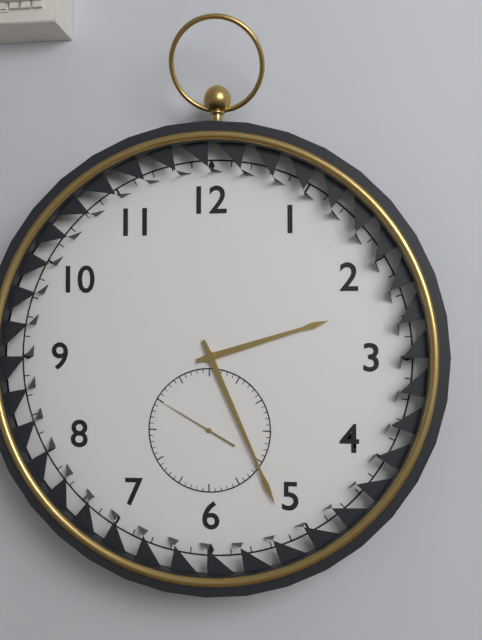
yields 2h26m50s
